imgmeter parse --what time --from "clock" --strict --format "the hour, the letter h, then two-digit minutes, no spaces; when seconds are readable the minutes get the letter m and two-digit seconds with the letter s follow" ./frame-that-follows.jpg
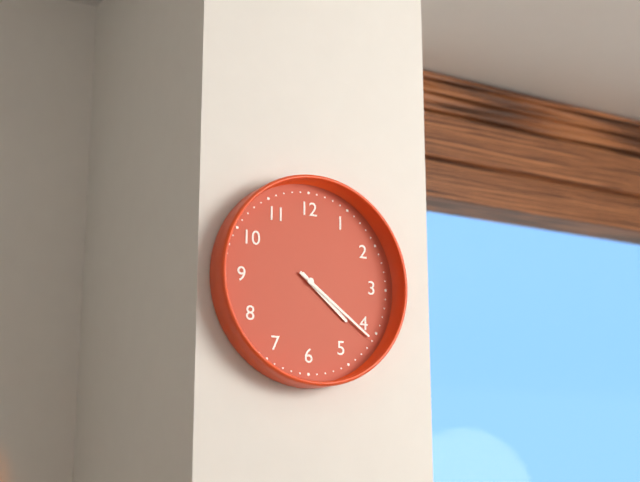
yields 4h21
